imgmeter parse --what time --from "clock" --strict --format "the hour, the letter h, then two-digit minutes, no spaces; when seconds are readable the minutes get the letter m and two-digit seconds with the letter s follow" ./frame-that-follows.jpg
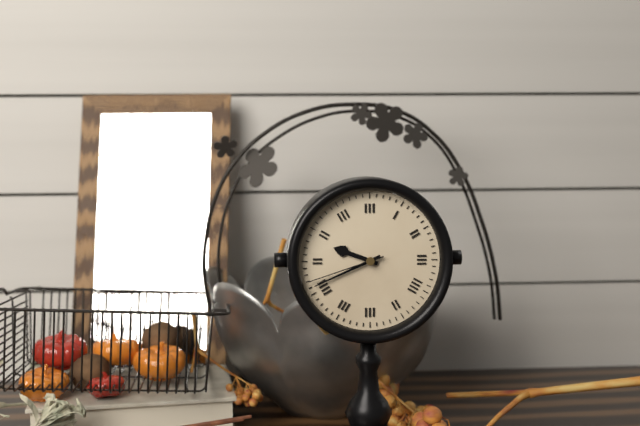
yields 9h41m42s
